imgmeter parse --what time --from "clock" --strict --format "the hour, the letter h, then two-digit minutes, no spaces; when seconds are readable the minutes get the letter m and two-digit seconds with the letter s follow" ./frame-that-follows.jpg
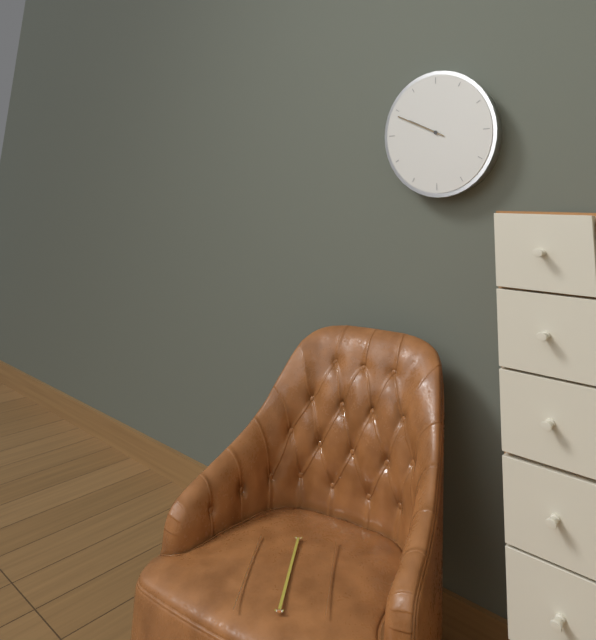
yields 9h49
